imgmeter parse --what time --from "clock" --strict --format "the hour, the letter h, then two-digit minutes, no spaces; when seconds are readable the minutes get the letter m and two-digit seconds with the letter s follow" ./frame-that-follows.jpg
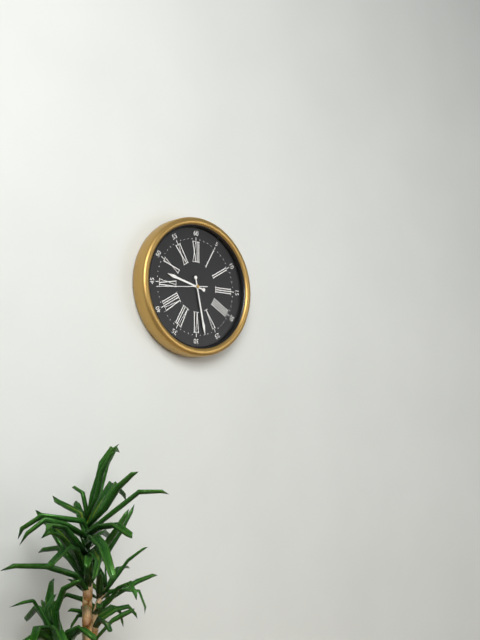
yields 9h28
